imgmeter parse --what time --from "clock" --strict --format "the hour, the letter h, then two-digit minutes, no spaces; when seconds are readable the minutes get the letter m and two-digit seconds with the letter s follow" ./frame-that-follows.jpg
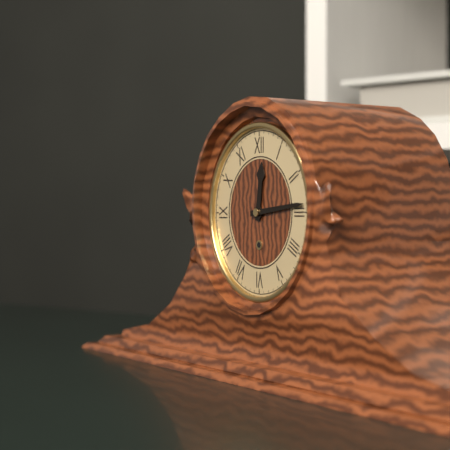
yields 12h14
